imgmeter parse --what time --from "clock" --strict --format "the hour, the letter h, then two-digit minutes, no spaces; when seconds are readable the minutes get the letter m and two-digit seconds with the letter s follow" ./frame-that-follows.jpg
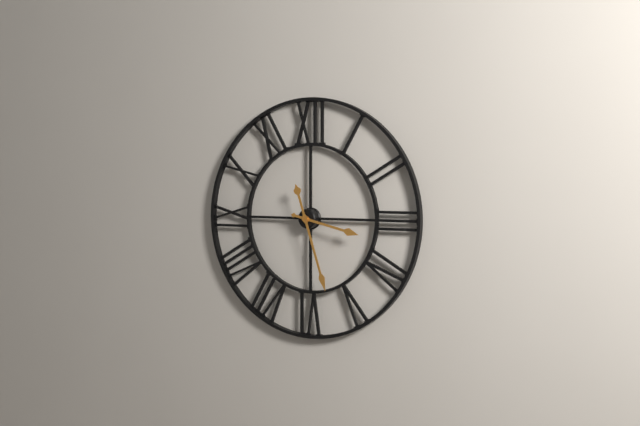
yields 3h27
